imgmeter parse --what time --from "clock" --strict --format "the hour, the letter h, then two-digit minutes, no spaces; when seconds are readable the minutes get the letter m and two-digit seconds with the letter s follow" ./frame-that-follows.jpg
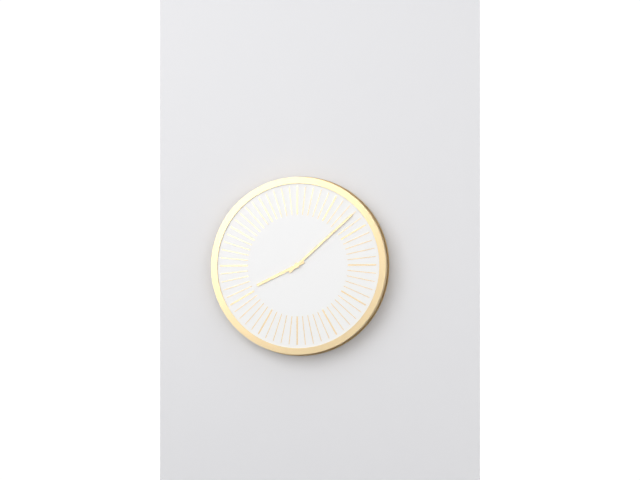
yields 8h08
